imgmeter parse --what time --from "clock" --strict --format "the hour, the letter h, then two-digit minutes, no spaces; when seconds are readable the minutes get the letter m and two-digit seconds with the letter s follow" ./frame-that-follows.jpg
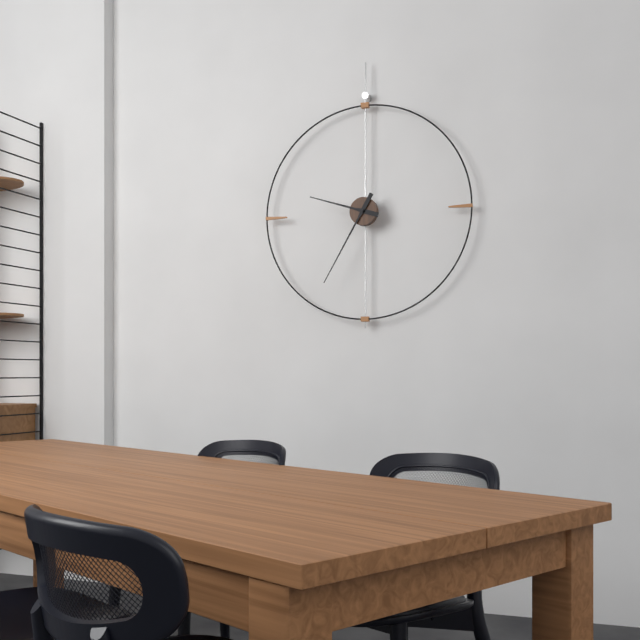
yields 9h35
